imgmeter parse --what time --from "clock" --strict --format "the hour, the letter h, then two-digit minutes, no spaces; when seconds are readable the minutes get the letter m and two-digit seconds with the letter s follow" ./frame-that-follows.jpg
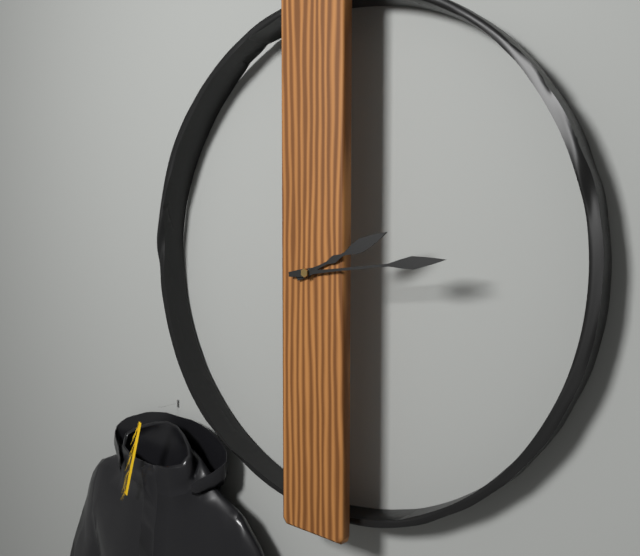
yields 2h14
